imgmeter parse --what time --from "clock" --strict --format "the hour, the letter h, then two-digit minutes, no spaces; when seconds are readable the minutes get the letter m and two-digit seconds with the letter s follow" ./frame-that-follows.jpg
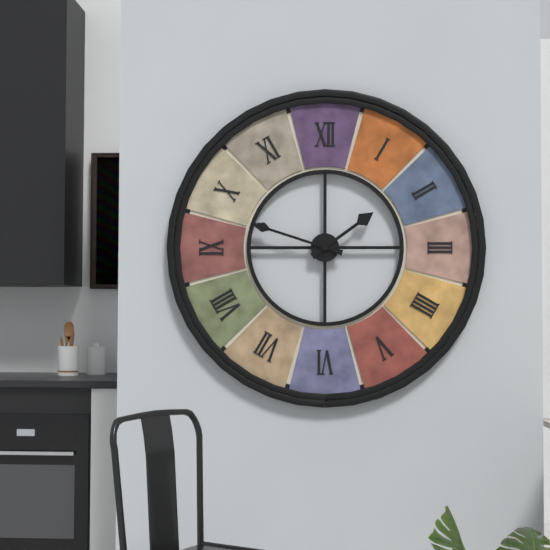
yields 1h48
